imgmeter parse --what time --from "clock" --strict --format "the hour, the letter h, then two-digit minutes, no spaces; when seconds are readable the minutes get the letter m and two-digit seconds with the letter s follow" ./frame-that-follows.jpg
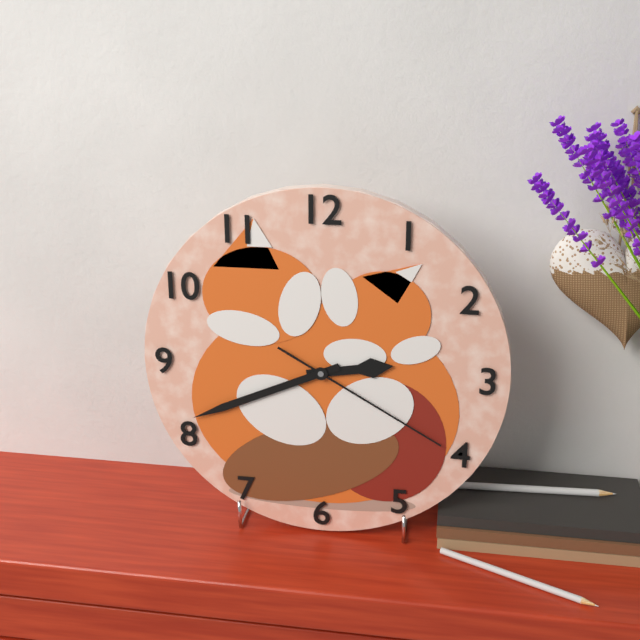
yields 2h41m20s
